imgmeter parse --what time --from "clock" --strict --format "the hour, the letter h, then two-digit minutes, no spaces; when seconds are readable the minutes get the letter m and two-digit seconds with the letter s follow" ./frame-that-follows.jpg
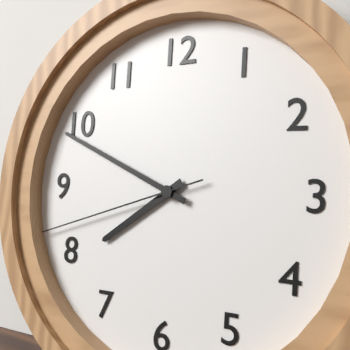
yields 7h49m42s
